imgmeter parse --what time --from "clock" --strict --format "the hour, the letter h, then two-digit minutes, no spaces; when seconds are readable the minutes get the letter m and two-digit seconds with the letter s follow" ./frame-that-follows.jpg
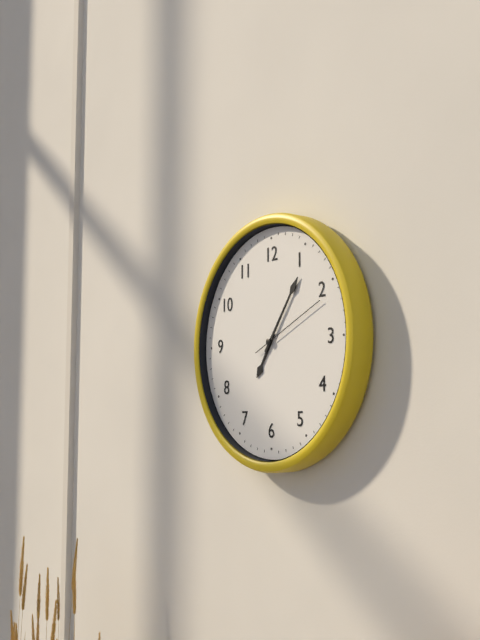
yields 7h06m11s
